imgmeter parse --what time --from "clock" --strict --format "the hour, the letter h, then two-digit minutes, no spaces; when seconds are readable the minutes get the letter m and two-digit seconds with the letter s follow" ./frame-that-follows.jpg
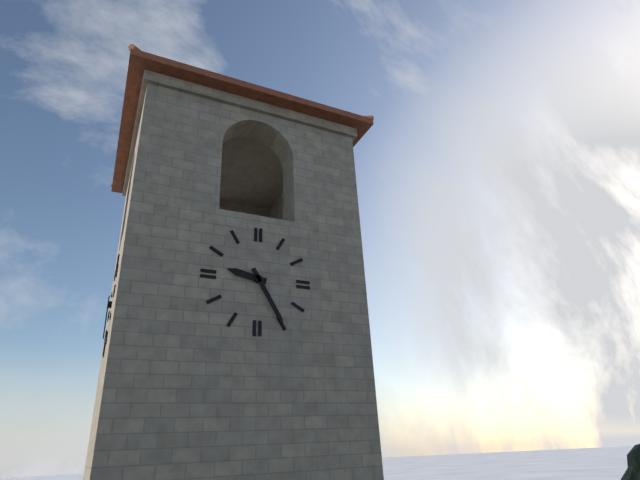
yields 9h25
